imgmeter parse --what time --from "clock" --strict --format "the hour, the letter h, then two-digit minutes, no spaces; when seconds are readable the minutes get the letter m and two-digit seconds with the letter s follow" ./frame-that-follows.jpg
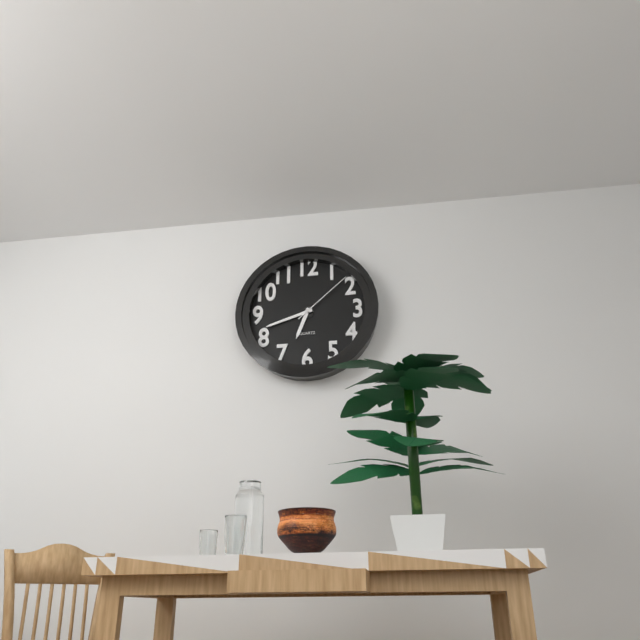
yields 6h42m08s
